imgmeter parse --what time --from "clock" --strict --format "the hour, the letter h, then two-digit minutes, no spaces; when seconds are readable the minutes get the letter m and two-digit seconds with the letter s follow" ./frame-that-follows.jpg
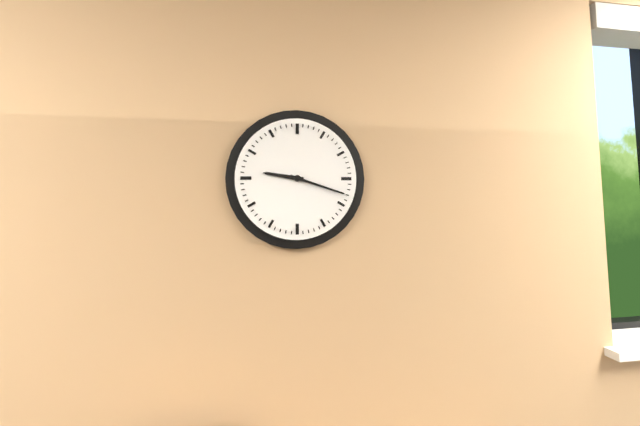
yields 9h18
